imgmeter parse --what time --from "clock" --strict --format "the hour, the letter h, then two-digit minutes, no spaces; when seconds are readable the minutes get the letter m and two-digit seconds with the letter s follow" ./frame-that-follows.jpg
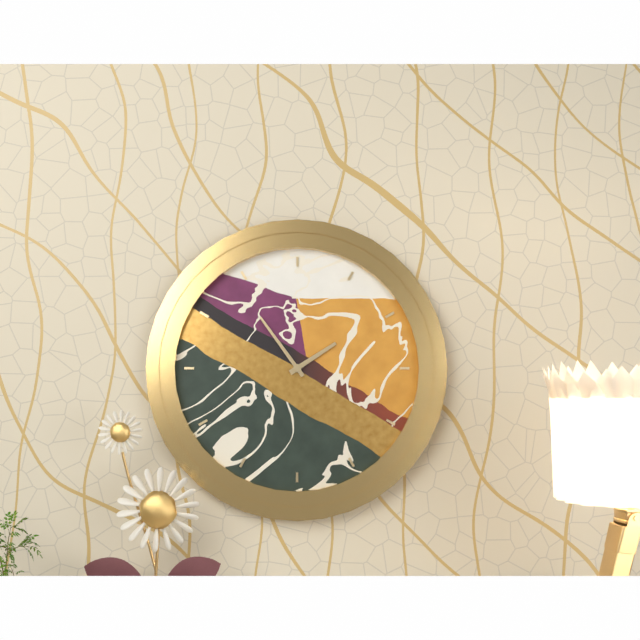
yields 1h54
